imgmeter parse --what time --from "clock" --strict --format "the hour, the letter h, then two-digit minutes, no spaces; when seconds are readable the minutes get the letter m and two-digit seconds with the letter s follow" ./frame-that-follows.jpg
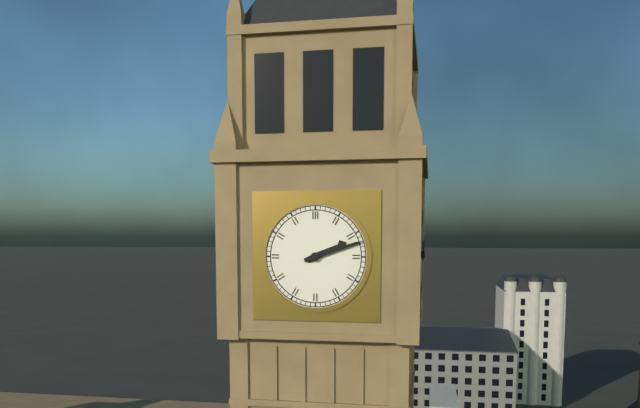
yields 2h12
